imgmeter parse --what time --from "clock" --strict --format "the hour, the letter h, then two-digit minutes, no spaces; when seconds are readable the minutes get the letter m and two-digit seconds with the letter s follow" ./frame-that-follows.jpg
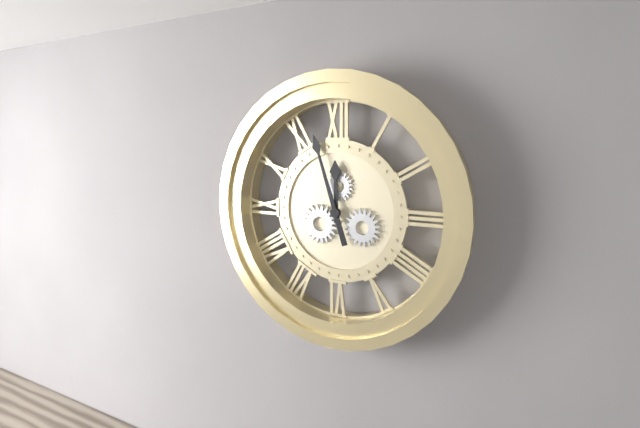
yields 11h57
